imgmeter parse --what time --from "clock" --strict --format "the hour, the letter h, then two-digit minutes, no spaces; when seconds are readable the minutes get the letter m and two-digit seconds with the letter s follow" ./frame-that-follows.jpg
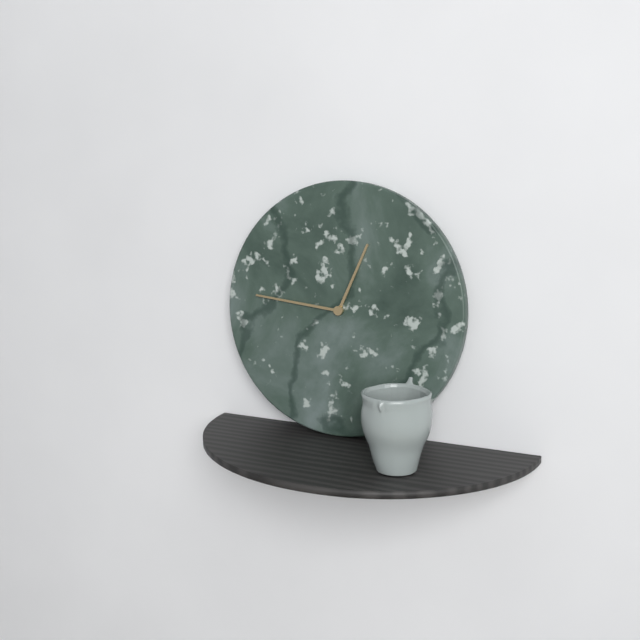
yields 12h46
